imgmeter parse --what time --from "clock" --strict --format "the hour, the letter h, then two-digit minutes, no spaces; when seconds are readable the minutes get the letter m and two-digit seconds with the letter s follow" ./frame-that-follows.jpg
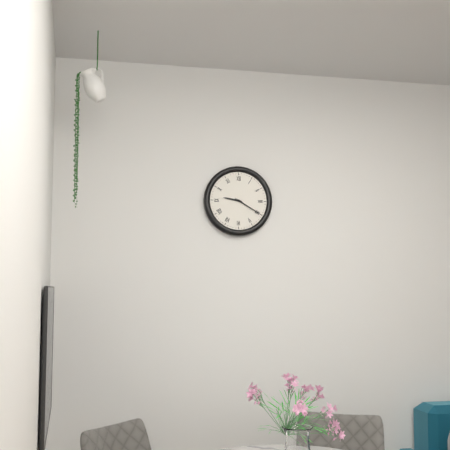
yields 9h20
